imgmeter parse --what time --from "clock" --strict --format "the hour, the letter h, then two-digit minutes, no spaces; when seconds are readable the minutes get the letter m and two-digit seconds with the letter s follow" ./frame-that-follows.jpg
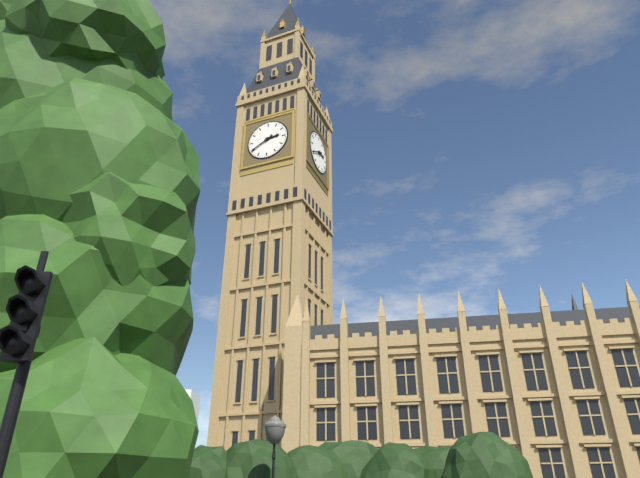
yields 2h40
